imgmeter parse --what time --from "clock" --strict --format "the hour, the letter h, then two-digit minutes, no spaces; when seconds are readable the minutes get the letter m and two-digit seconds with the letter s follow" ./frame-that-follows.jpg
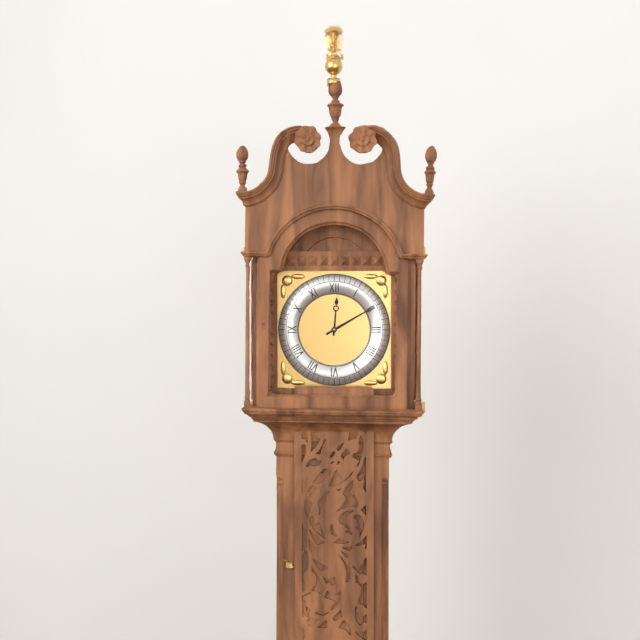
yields 12h10
